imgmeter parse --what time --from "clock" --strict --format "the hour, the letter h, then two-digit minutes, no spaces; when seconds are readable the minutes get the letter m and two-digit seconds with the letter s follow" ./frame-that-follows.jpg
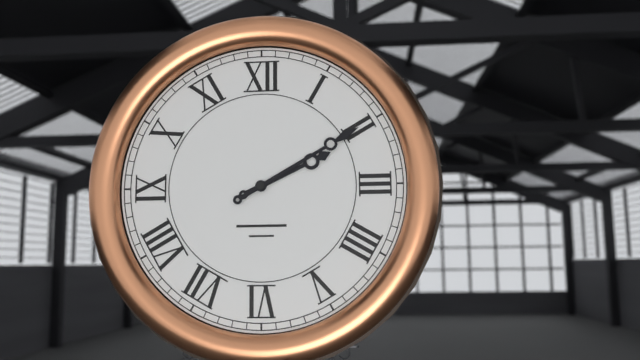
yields 2h10
